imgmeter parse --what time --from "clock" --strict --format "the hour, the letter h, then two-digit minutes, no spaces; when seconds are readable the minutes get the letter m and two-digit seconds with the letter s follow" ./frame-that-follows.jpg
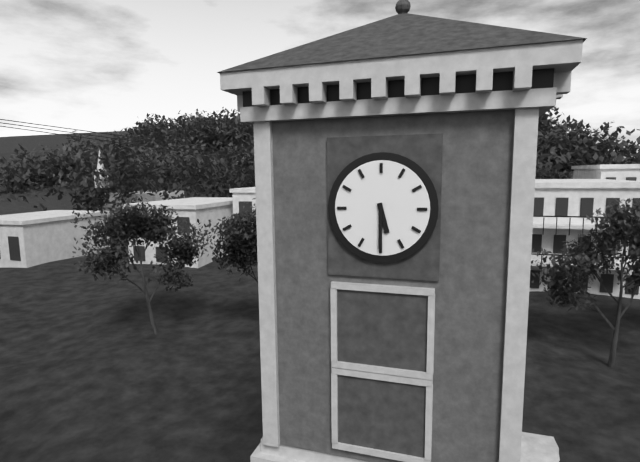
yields 5h30
